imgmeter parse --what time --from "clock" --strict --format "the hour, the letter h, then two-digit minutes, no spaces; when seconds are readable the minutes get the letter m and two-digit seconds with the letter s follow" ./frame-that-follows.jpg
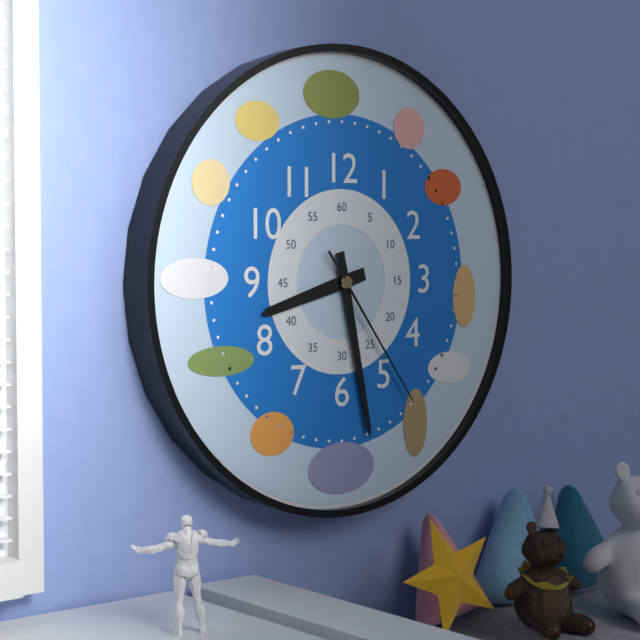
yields 8h28m24s
